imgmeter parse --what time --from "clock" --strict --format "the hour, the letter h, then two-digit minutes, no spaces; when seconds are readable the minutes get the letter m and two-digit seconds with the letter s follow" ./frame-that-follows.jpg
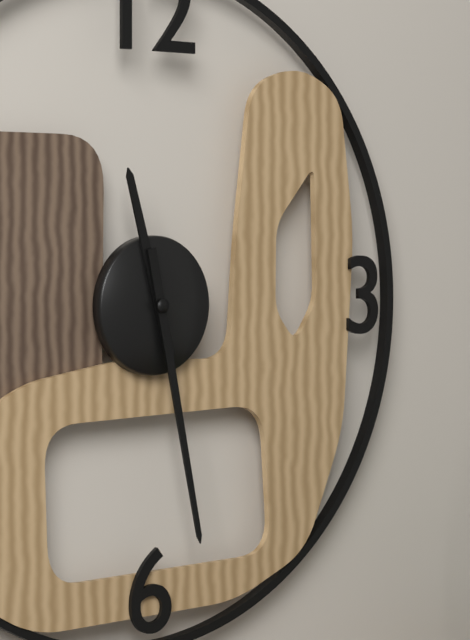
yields 11h28
